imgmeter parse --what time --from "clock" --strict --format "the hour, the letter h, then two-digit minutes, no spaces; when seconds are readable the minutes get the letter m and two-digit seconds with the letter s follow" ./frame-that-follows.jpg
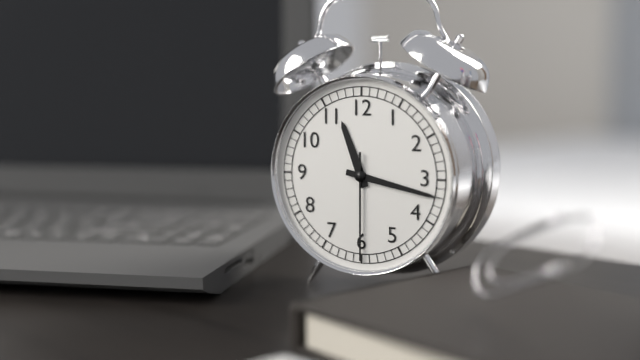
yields 11h17m30s
